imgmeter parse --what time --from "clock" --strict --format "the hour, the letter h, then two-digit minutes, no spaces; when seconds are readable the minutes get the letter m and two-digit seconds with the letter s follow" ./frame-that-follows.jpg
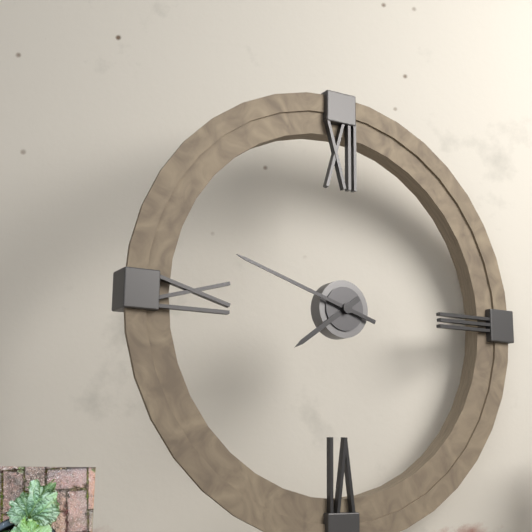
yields 7h48
